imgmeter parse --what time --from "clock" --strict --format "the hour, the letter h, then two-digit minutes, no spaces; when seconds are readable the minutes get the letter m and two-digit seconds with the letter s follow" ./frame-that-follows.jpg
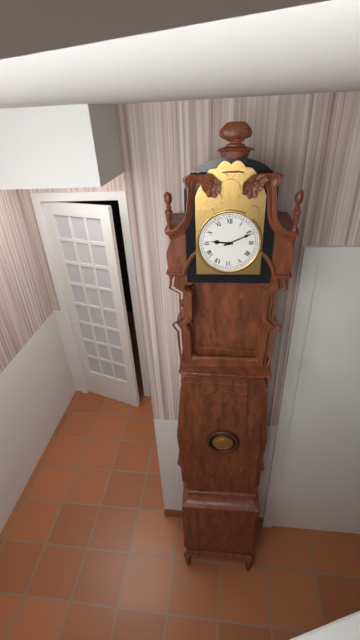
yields 9h11
